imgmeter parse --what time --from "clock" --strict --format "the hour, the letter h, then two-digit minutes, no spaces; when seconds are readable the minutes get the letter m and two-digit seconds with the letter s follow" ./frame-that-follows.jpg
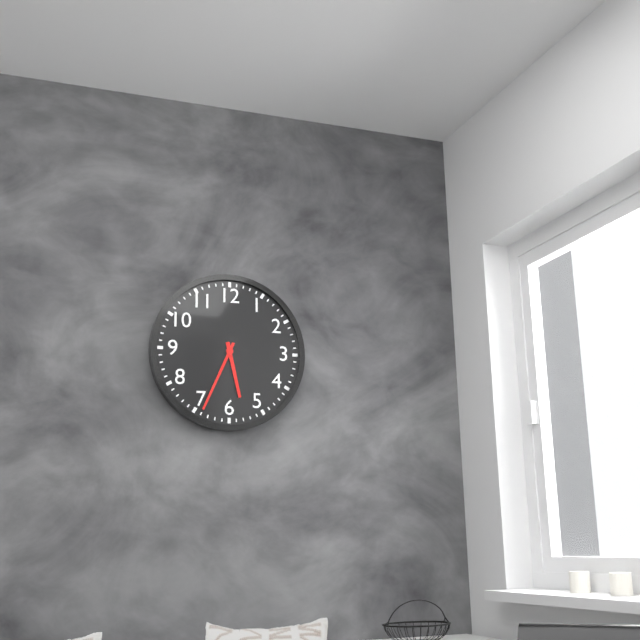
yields 5h34
